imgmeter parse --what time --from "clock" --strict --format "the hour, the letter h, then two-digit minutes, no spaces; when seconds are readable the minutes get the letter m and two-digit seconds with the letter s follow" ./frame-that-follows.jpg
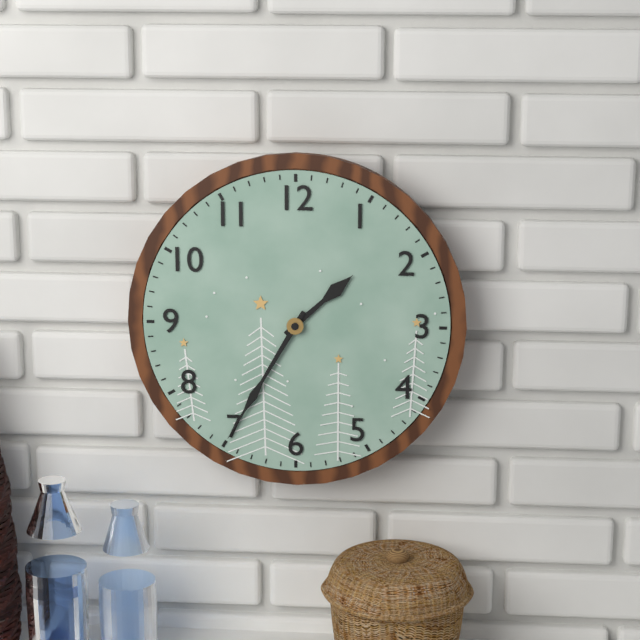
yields 1h35
